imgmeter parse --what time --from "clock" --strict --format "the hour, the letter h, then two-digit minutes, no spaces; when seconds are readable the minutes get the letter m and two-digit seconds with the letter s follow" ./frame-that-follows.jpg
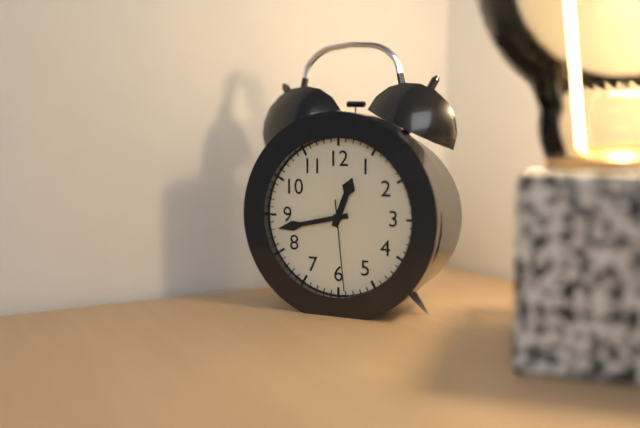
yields 12h43m29s
